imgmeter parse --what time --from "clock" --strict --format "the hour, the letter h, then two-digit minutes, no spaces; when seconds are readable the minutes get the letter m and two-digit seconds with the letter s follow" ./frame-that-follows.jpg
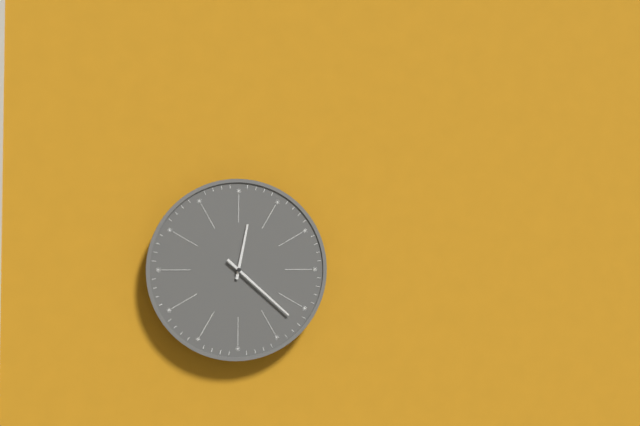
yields 12h22
